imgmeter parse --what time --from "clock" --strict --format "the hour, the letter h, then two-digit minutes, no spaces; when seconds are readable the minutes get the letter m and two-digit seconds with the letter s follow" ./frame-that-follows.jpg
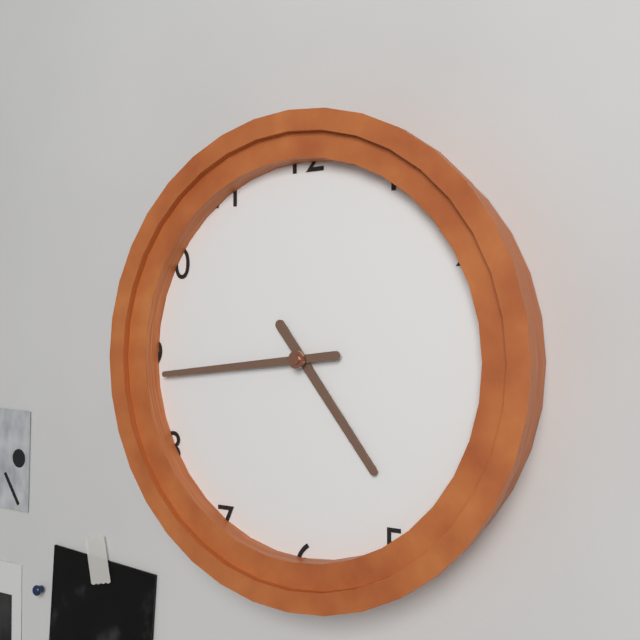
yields 4h44
